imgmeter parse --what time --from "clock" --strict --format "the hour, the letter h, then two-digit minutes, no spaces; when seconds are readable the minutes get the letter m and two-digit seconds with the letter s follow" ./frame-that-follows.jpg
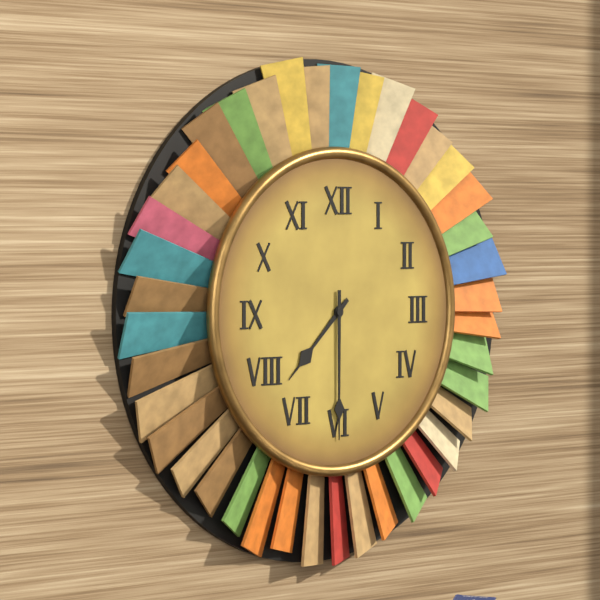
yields 7h30
